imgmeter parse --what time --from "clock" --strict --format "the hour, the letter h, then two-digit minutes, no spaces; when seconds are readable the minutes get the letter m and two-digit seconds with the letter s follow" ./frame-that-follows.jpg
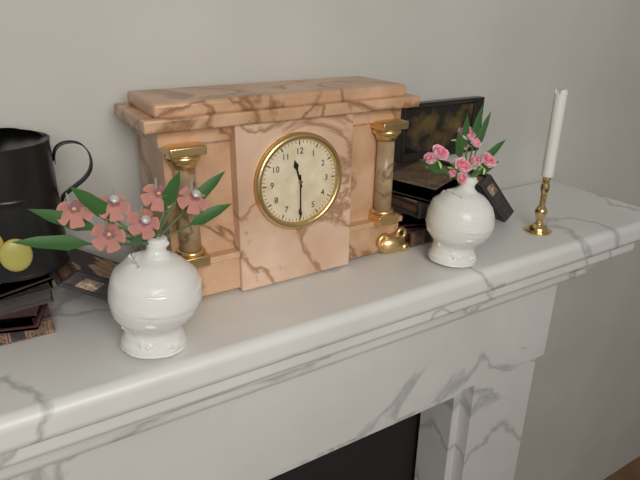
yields 11h30
